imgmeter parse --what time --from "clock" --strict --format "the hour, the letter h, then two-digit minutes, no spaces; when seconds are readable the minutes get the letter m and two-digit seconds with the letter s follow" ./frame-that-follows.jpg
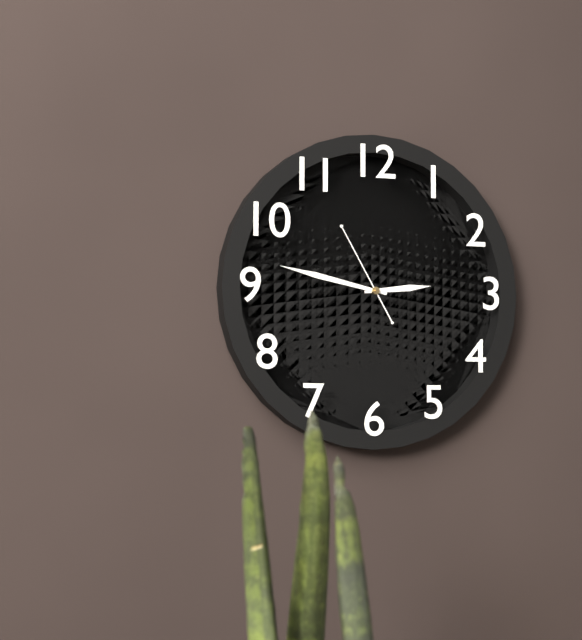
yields 2h47m55s
